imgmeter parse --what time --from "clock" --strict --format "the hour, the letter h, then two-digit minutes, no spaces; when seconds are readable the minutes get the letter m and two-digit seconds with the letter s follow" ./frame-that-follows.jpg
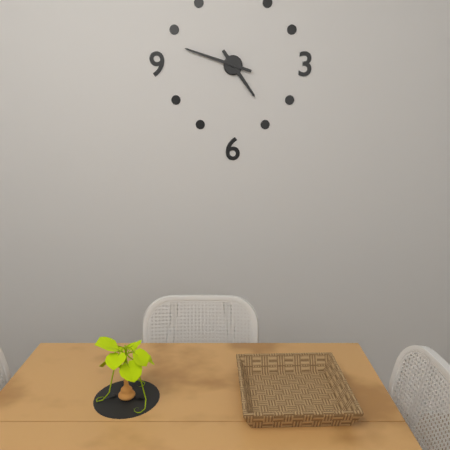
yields 4h48
